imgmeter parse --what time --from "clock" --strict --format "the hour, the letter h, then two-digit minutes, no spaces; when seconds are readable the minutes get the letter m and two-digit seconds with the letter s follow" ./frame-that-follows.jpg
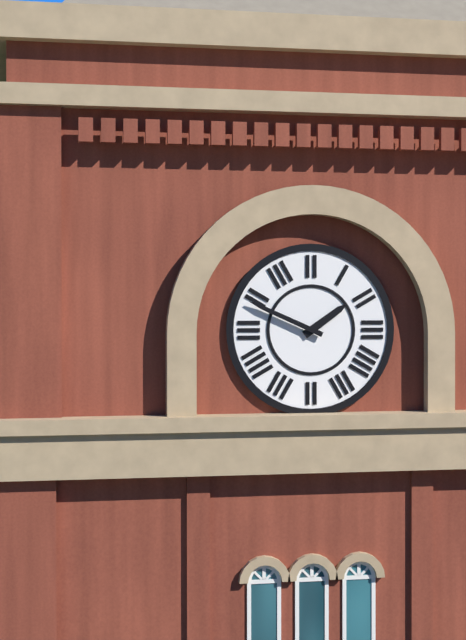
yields 1h49
